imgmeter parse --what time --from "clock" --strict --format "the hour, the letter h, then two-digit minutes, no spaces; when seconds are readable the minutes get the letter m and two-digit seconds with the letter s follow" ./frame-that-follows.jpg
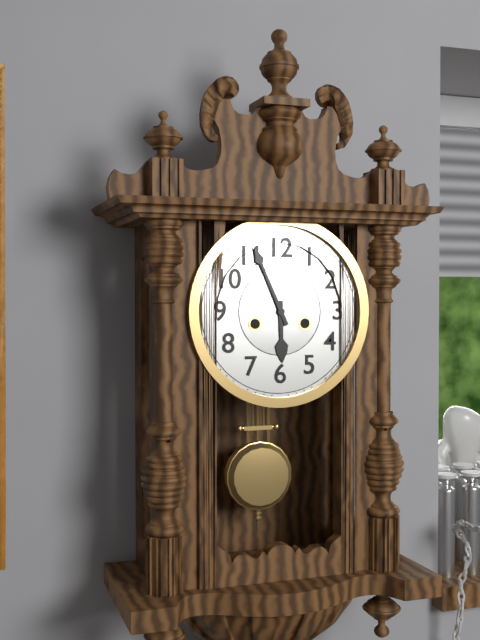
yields 5h56
